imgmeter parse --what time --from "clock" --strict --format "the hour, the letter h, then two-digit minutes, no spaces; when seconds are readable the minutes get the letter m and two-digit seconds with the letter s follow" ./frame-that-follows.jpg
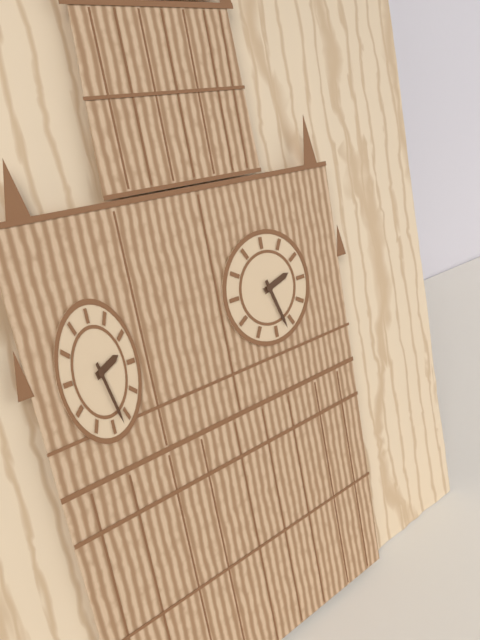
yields 2h27
